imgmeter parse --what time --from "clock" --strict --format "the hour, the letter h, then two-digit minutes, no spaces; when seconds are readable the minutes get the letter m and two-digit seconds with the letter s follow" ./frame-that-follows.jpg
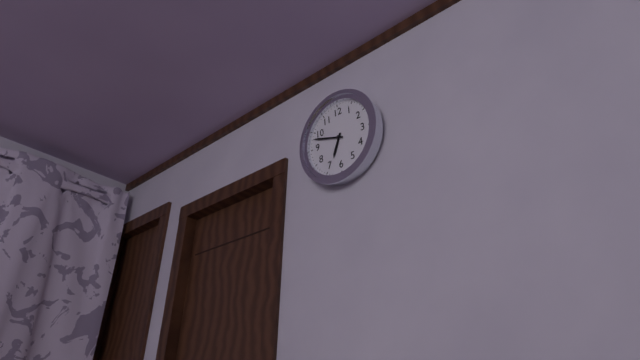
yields 6h48
